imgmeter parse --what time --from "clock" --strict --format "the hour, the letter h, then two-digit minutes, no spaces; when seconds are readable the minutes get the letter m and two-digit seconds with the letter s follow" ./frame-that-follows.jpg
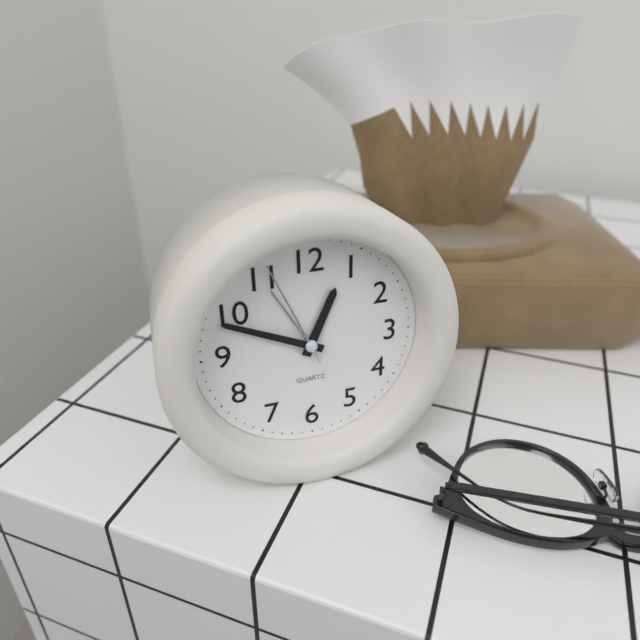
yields 12h49m56s
